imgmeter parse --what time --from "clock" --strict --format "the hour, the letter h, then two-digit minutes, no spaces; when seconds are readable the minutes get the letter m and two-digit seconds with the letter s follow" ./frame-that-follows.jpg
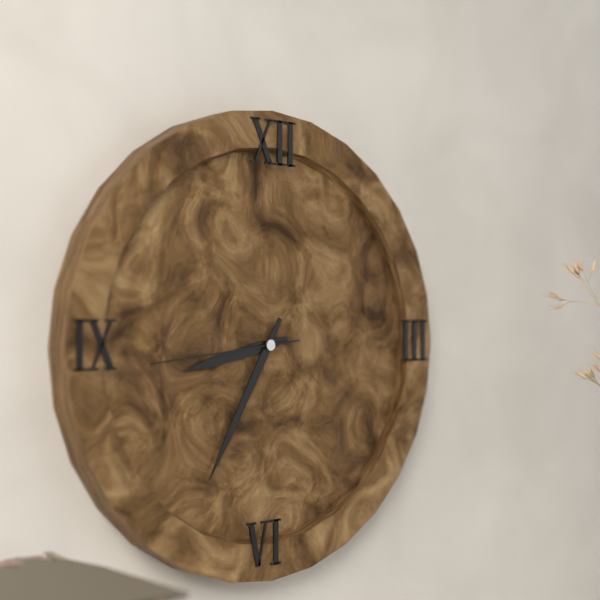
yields 8h35m44s
